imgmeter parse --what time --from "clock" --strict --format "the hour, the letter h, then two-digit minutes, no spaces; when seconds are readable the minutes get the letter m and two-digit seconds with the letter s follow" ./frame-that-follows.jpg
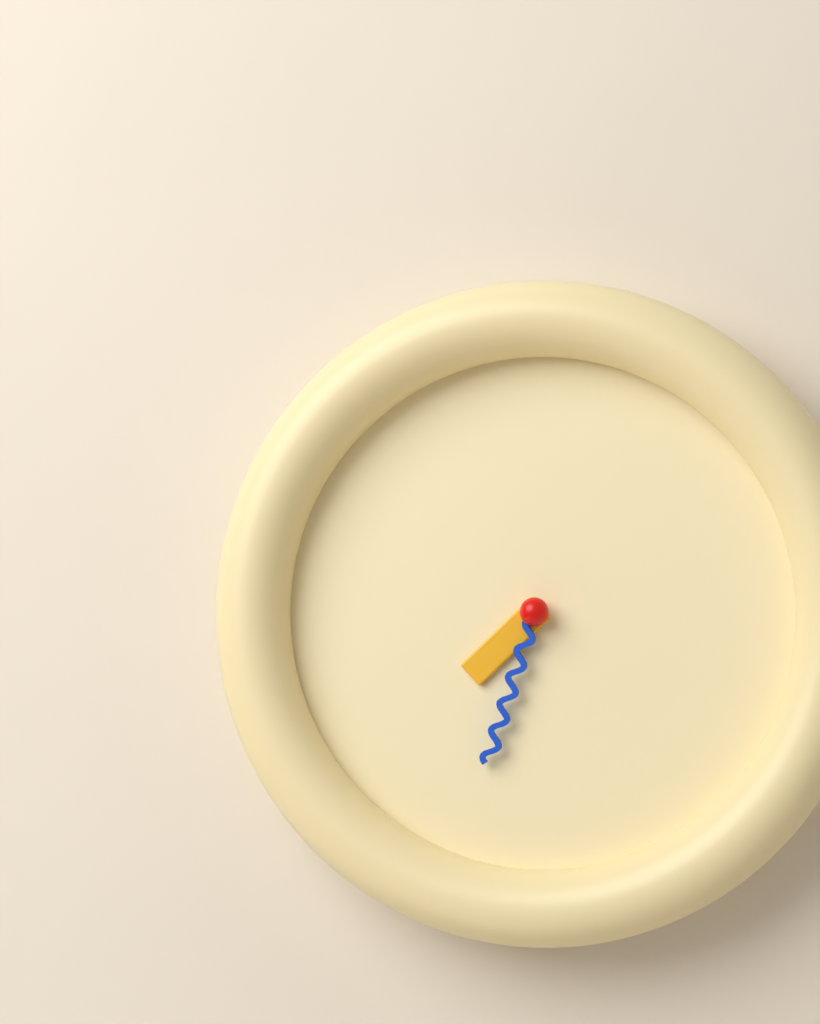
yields 7h33
